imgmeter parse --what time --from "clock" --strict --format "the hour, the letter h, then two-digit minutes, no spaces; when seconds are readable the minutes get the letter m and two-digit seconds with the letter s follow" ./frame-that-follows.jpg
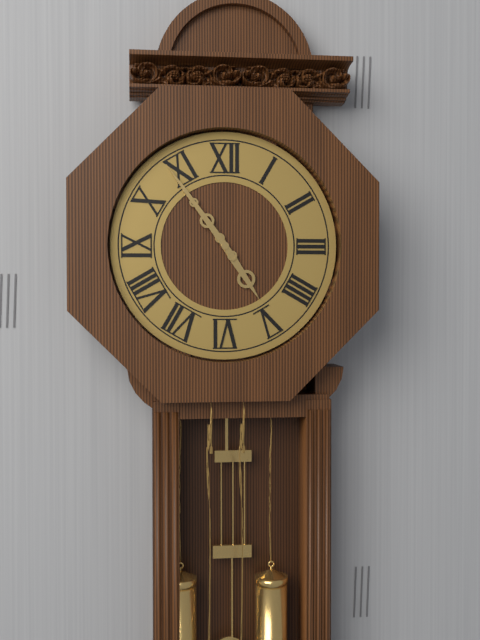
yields 4h54
